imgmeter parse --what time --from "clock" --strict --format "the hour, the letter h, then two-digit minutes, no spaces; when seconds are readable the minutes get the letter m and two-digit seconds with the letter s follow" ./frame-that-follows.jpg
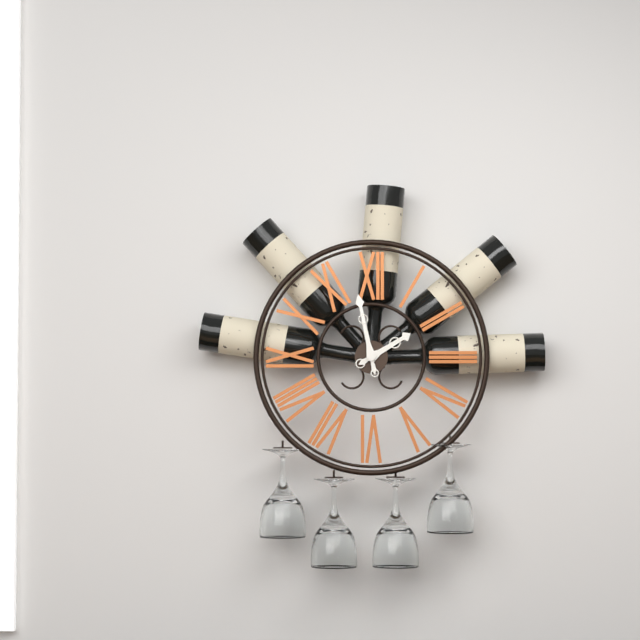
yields 1h58
